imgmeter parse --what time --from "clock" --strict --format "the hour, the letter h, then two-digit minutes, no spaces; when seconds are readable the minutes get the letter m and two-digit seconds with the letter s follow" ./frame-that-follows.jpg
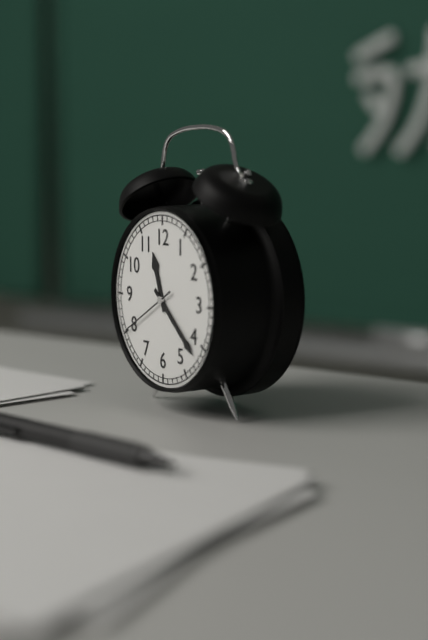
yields 11h22m40s
